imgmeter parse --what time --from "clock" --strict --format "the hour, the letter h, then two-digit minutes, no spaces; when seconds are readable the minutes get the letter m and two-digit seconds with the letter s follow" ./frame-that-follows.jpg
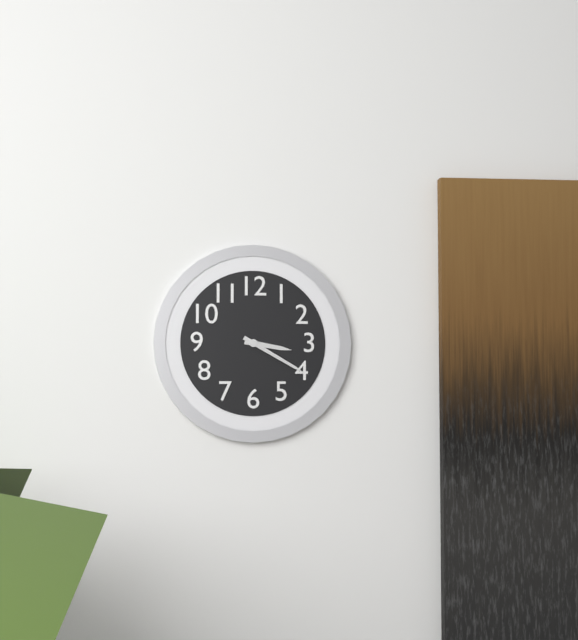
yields 3h20
